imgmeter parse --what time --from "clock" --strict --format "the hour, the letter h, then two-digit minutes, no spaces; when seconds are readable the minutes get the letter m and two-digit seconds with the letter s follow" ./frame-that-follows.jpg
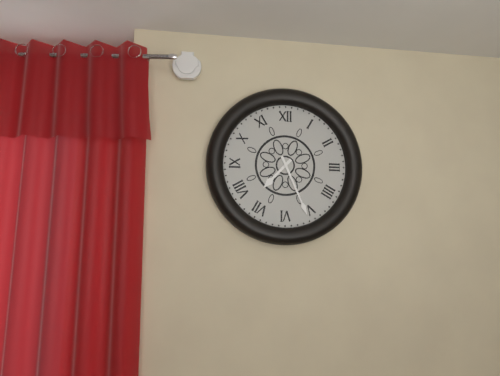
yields 7h26
